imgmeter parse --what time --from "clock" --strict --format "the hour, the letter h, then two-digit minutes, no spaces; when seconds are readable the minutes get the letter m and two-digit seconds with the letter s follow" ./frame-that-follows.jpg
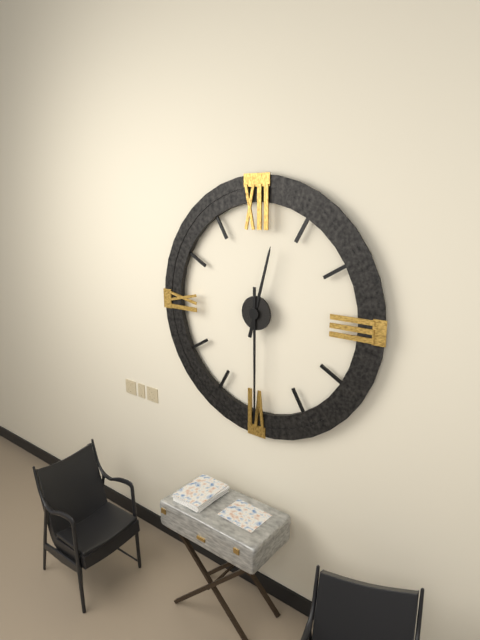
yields 12h30
